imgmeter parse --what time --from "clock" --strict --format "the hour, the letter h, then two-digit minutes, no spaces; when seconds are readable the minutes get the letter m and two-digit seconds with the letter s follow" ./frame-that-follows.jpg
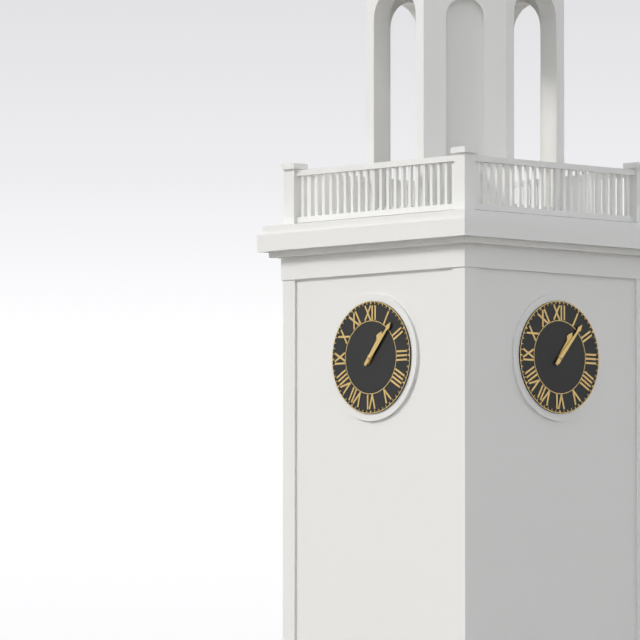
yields 1h07
